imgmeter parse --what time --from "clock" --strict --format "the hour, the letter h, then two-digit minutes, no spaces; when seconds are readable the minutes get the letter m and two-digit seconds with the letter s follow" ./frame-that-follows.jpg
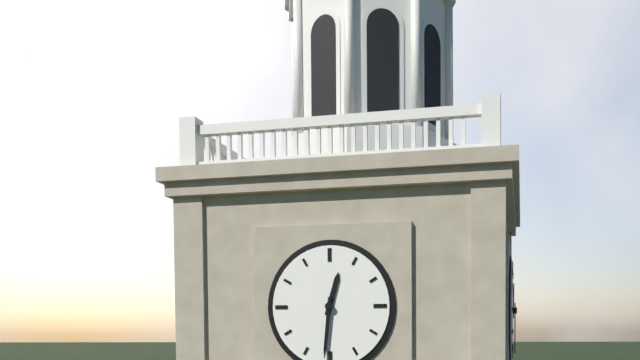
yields 12h31
